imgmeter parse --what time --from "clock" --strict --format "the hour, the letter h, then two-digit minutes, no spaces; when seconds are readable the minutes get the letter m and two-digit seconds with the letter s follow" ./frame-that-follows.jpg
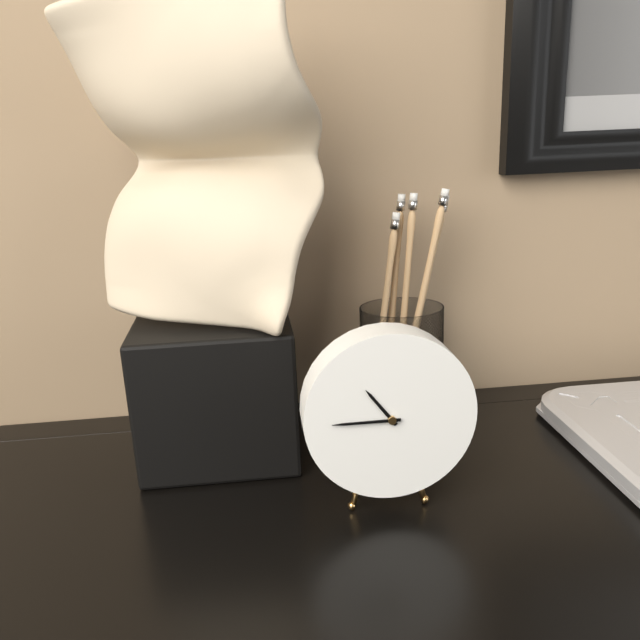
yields 10h45
